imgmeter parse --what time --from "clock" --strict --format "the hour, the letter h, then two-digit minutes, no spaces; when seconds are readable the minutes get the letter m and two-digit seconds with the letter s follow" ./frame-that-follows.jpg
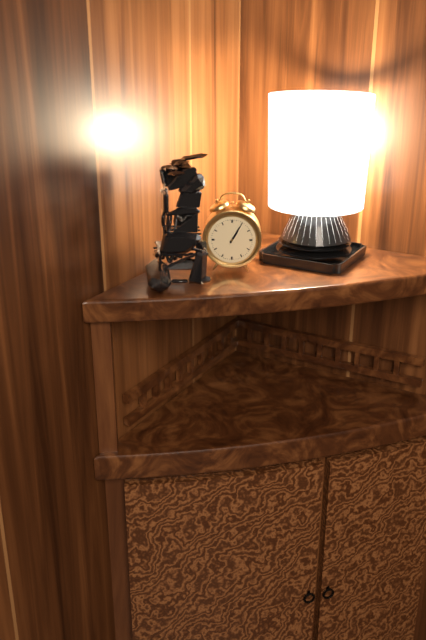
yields 1h05
